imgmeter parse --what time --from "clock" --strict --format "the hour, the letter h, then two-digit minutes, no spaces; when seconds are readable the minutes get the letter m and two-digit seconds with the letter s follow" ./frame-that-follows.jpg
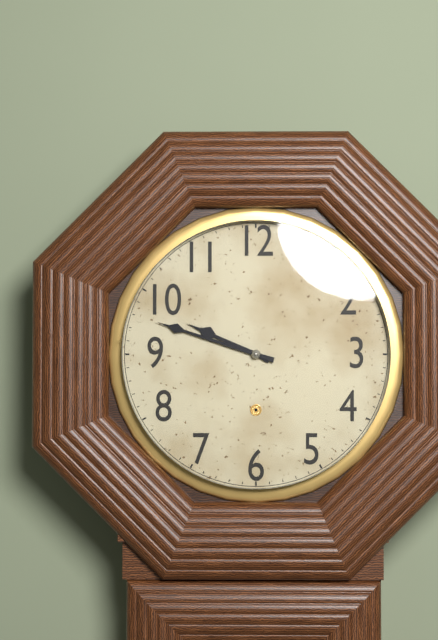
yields 9h48
